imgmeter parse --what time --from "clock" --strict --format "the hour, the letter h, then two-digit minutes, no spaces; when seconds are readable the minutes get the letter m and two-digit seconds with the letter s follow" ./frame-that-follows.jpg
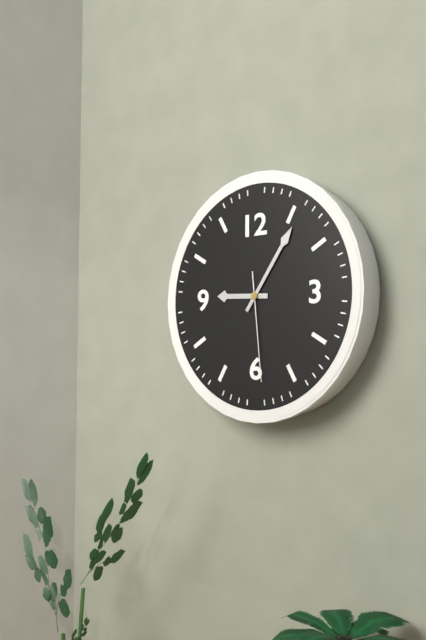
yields 9h06m29s
